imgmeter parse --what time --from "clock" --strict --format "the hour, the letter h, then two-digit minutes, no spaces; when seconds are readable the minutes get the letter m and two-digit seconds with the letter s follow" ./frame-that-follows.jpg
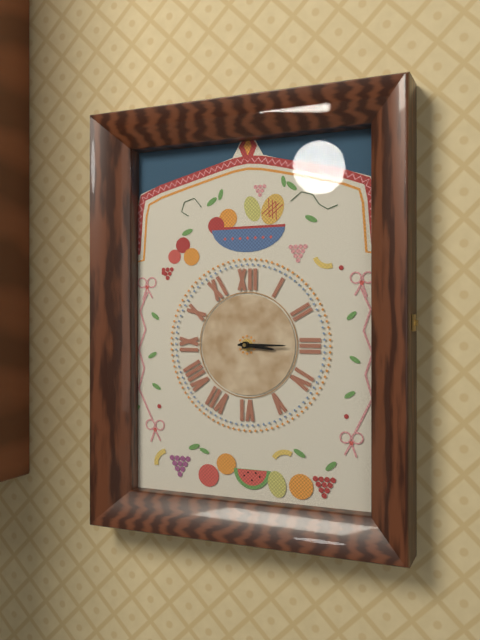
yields 3h15
